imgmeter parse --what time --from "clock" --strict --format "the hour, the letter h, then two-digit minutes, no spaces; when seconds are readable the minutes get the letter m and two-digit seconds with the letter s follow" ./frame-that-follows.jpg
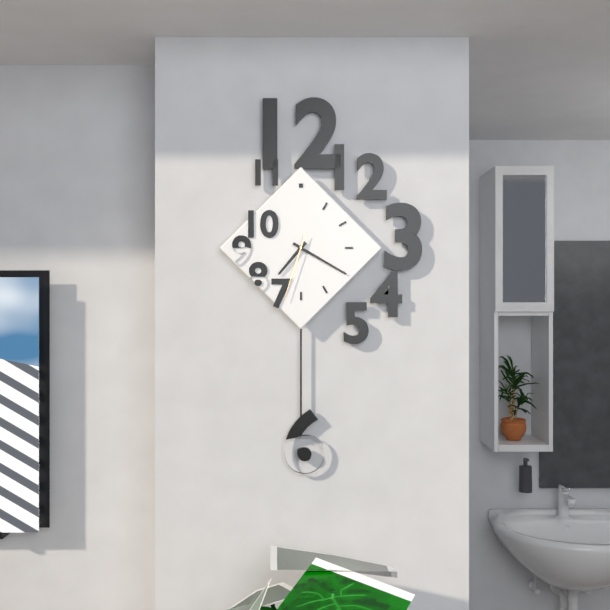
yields 7h20m33s
